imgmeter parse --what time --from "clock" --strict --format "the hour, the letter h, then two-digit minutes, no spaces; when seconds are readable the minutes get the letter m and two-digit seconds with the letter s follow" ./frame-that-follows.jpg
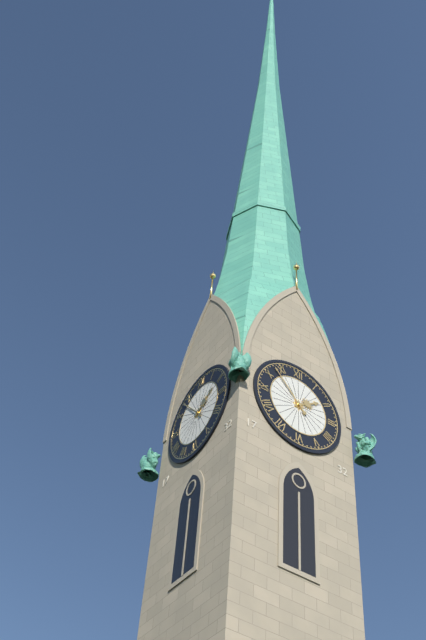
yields 1h53
